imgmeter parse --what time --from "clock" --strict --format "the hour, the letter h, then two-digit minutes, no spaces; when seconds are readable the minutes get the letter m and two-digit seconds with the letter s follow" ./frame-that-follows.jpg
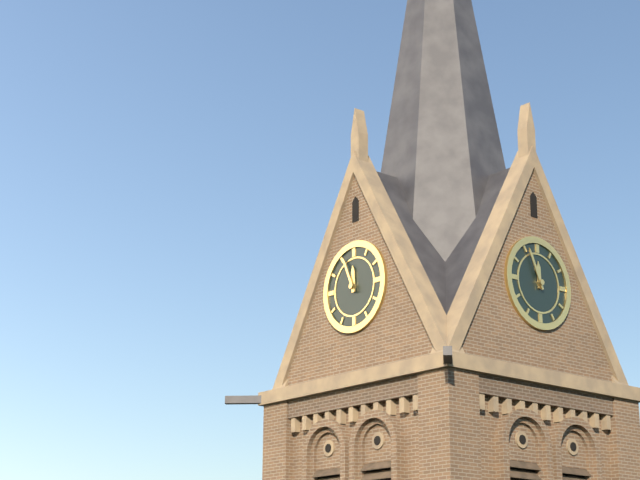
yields 11h56
